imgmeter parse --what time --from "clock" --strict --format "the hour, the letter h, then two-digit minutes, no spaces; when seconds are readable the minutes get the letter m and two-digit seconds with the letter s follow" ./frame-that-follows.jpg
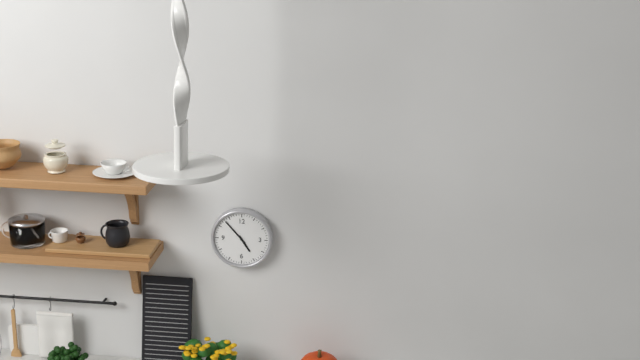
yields 4h53
